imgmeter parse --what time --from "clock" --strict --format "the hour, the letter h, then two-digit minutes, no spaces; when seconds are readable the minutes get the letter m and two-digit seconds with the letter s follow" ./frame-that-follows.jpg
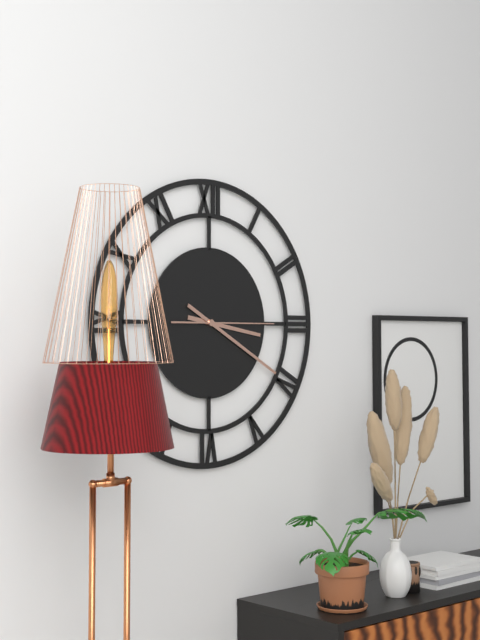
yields 3h20m15s
